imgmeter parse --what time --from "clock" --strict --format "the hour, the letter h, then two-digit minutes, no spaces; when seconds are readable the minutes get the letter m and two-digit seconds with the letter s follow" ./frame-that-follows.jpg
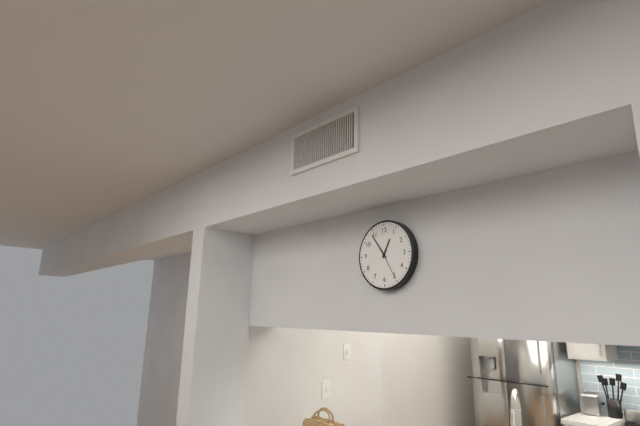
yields 12h54
